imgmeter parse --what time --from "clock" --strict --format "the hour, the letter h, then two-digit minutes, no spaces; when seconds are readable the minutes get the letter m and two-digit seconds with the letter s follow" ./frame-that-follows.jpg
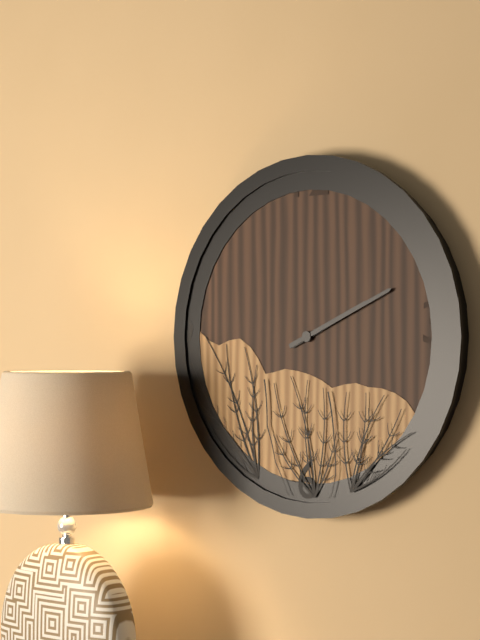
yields 2h11
